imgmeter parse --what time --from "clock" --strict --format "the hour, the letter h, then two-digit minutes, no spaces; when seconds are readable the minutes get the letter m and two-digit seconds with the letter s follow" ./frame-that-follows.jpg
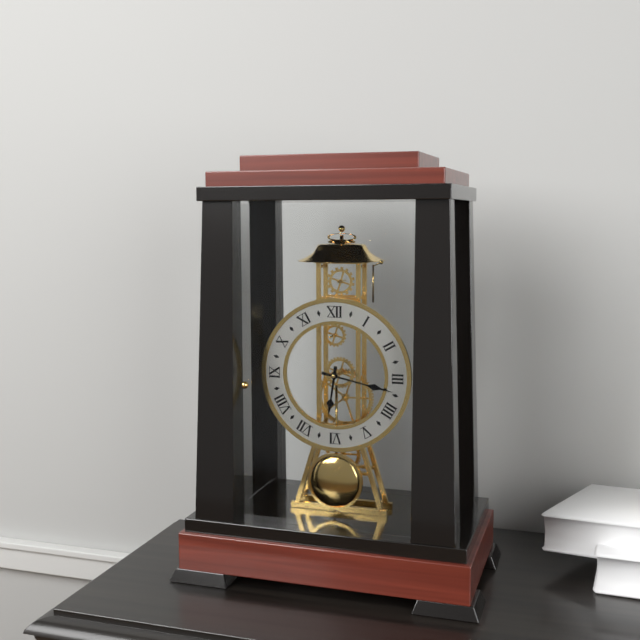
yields 6h17
